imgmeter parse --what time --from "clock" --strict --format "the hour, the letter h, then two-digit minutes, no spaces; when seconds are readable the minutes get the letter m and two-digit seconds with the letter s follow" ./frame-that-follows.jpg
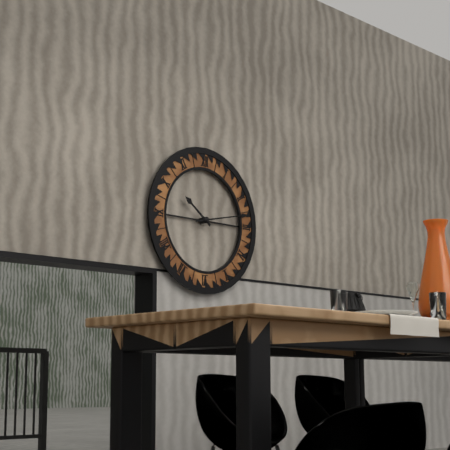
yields 10h13
